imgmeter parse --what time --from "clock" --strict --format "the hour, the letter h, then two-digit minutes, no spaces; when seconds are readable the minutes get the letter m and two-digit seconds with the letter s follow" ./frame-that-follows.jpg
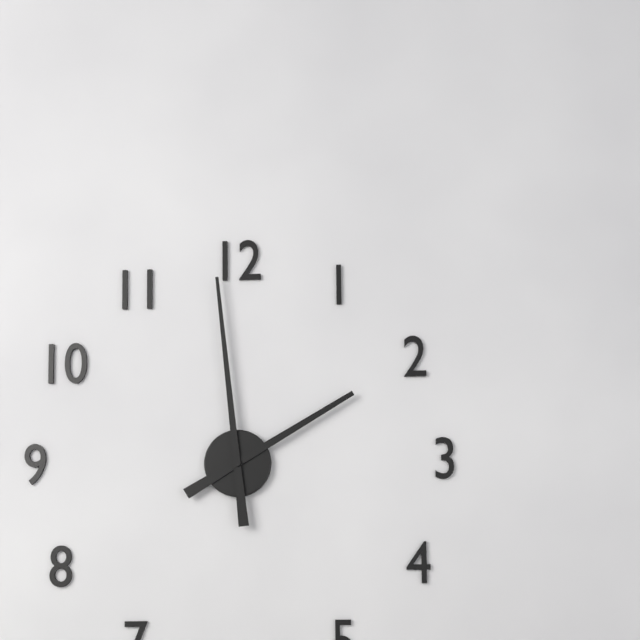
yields 1h59
